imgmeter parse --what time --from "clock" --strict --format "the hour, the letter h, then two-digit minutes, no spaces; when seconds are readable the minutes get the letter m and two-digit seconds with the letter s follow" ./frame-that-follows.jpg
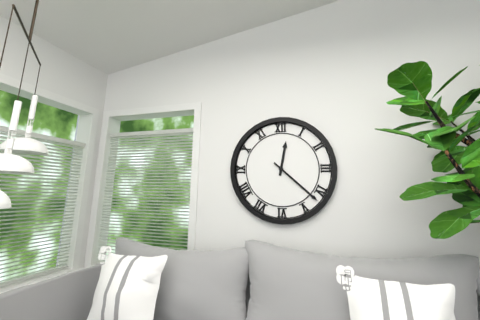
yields 12h22
